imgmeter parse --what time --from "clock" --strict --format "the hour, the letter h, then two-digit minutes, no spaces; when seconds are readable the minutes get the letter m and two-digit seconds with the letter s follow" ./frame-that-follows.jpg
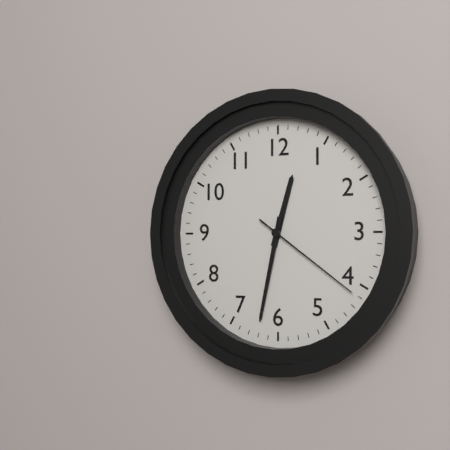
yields 12h32m21s
